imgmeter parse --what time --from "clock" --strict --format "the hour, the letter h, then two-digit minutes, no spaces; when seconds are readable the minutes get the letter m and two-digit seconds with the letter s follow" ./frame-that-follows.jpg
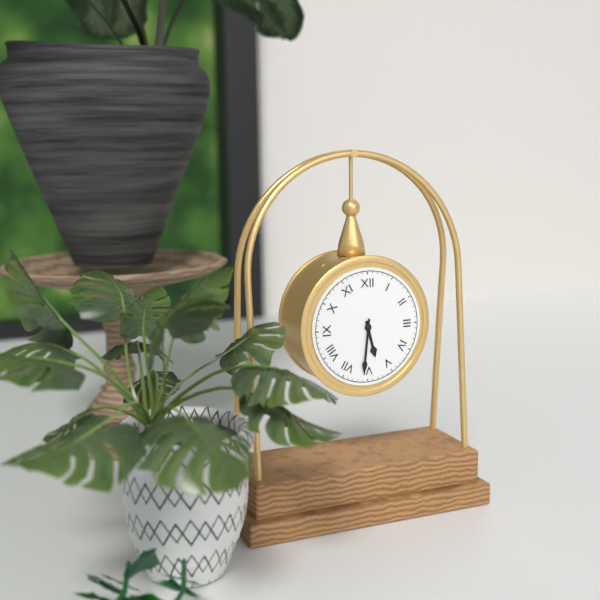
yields 5h31
